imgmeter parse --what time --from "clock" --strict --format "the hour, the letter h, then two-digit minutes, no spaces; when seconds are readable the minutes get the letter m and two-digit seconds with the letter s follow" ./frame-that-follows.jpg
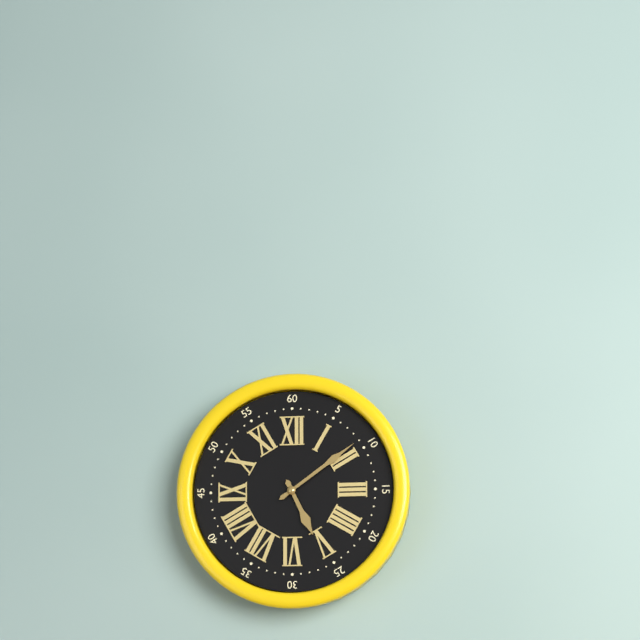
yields 5h09
